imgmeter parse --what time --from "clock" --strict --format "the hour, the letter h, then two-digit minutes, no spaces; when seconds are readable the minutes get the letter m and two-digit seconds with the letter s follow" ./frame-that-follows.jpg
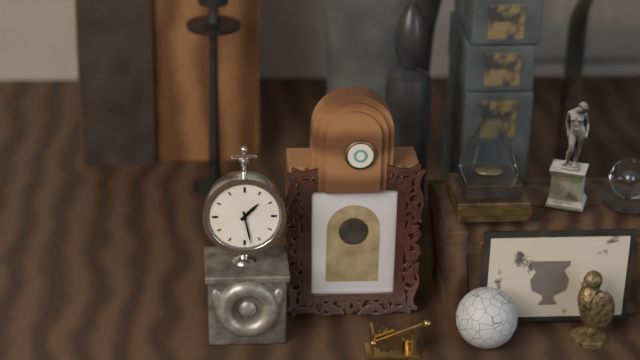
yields 1h28
